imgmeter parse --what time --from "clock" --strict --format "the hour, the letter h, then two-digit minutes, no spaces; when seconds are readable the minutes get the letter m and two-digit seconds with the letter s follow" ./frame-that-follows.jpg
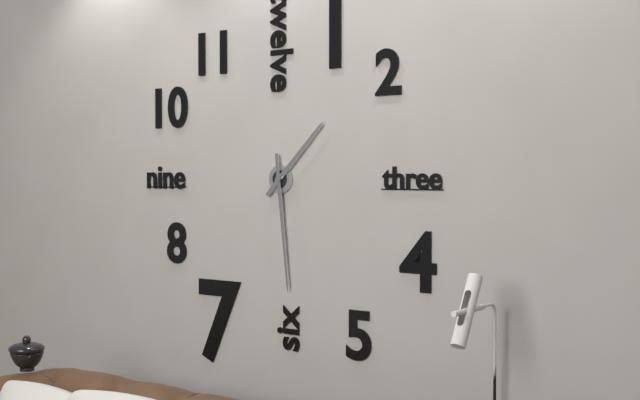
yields 1h29
